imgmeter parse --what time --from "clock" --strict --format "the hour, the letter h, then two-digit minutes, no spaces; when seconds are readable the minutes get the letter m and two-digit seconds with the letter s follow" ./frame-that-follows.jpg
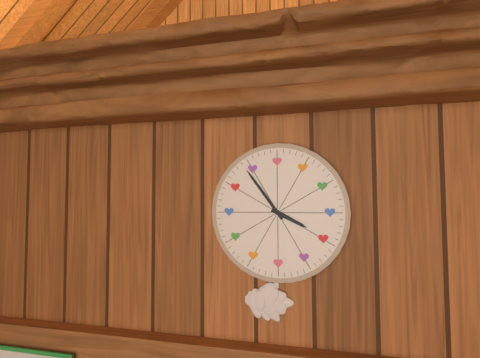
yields 3h54
